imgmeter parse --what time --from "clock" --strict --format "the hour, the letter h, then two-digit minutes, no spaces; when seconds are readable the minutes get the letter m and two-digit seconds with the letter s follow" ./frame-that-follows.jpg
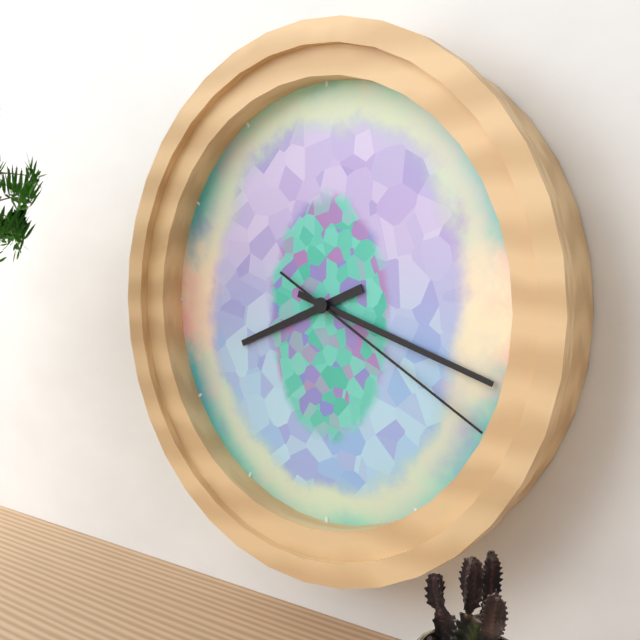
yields 8h18m20s
